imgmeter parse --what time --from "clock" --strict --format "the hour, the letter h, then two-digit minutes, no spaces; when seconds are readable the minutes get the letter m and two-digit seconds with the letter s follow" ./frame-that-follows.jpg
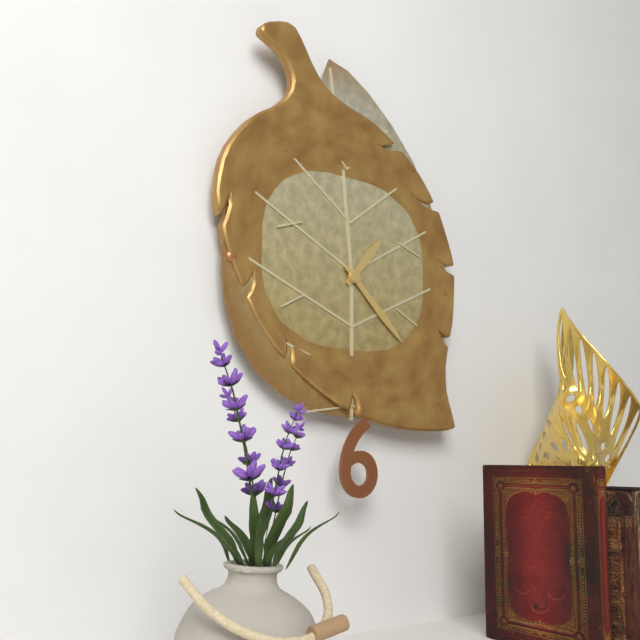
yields 1h22
